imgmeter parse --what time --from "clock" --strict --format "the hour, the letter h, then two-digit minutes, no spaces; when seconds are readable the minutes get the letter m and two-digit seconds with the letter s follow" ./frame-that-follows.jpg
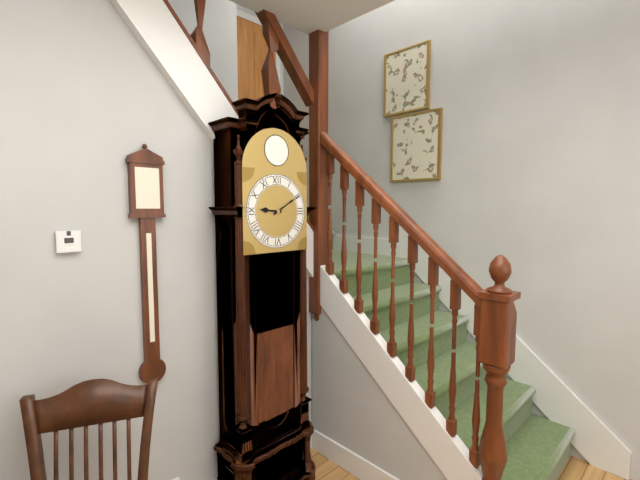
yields 9h10
